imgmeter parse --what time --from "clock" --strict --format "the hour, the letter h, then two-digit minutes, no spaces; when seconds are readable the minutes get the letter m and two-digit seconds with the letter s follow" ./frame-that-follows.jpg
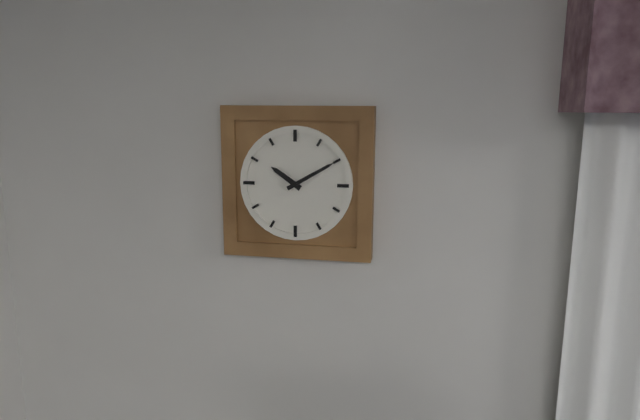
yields 10h10
